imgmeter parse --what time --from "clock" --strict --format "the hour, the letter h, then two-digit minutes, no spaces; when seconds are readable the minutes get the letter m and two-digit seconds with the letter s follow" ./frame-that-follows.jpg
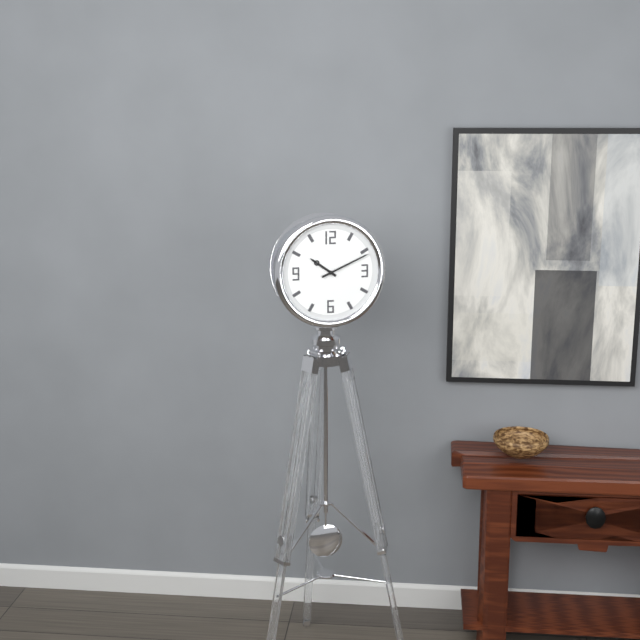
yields 10h11
